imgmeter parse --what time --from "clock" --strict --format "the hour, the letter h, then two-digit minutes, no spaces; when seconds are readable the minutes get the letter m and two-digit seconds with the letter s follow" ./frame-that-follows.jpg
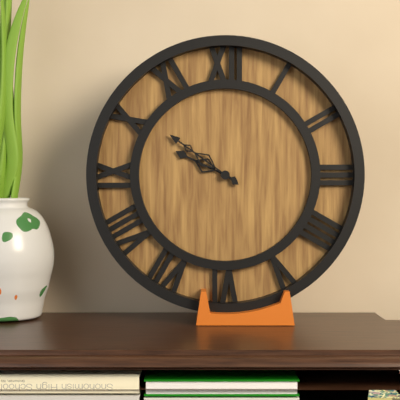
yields 9h51
